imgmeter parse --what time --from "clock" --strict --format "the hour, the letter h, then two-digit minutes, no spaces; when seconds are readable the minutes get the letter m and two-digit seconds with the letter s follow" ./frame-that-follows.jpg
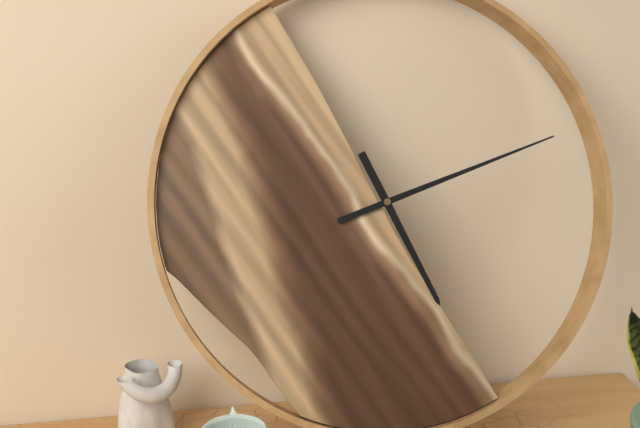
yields 5h12
